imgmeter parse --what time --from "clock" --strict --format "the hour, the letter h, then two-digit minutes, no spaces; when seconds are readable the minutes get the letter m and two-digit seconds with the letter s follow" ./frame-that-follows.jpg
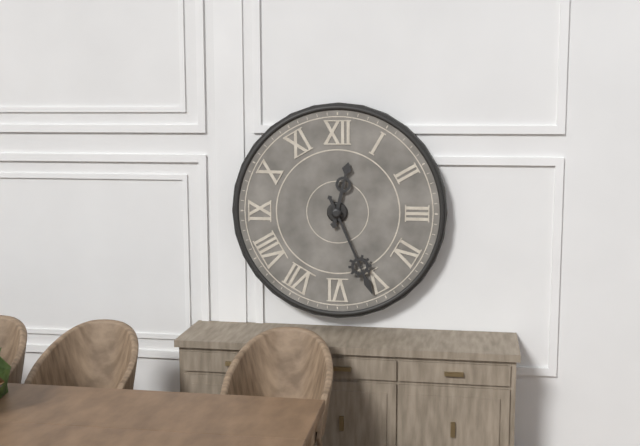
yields 12h26
